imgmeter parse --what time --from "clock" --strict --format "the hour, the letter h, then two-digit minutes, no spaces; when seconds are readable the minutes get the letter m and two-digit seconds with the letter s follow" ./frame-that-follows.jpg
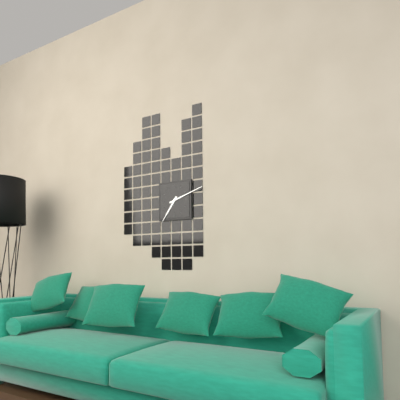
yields 7h12
